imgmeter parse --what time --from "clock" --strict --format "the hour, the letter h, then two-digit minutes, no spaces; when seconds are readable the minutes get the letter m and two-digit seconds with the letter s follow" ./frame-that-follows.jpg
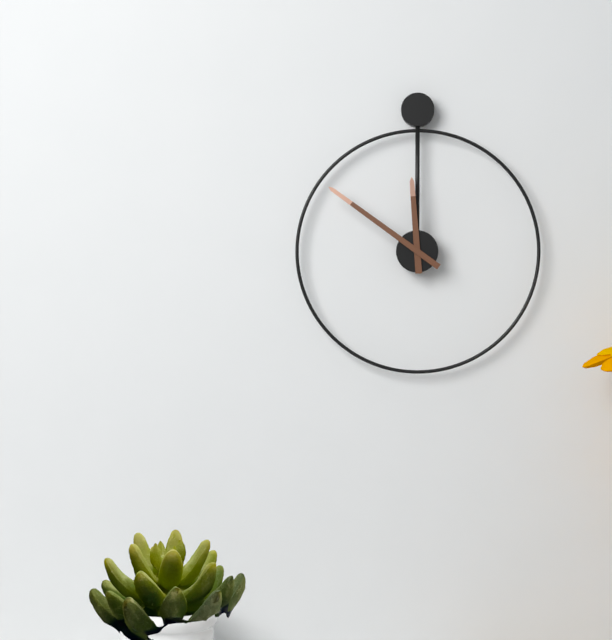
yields 11h51
